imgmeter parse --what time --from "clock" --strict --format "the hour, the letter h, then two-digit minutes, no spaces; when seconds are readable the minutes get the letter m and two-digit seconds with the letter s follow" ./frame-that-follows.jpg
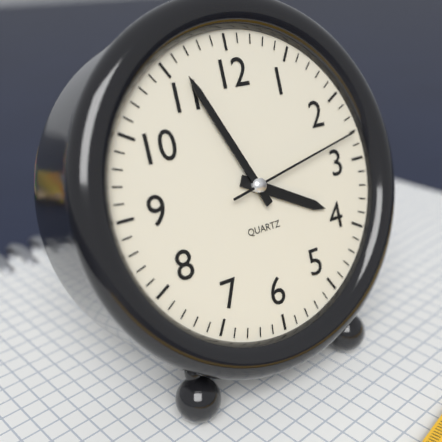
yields 3h56m13s
